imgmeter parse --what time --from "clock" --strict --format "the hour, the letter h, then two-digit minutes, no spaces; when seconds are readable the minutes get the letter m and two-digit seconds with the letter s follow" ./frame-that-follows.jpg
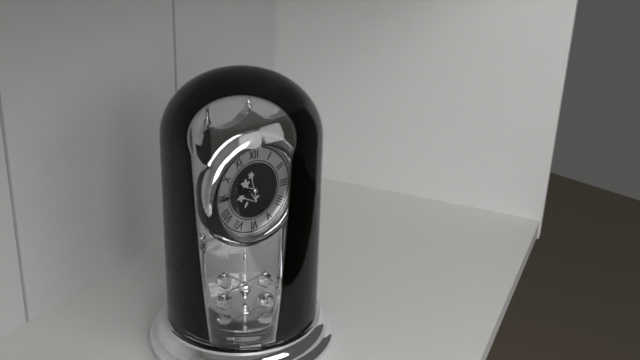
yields 9h45
